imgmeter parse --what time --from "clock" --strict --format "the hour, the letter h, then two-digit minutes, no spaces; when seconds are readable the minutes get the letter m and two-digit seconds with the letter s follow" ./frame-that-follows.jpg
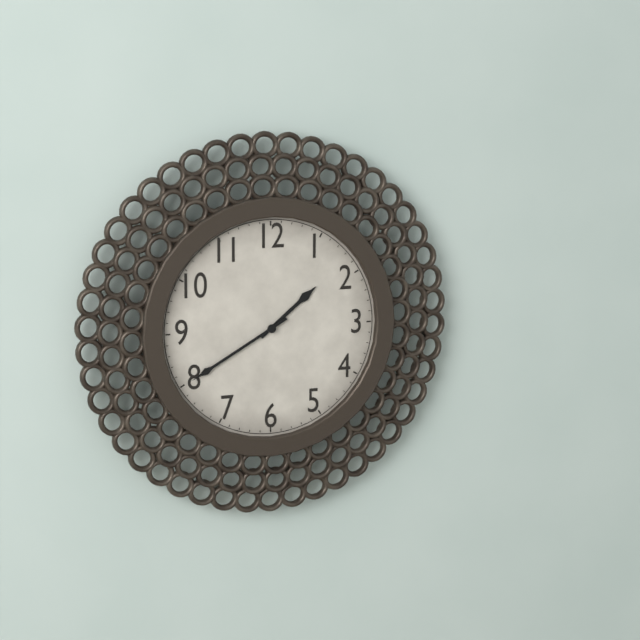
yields 1h40
